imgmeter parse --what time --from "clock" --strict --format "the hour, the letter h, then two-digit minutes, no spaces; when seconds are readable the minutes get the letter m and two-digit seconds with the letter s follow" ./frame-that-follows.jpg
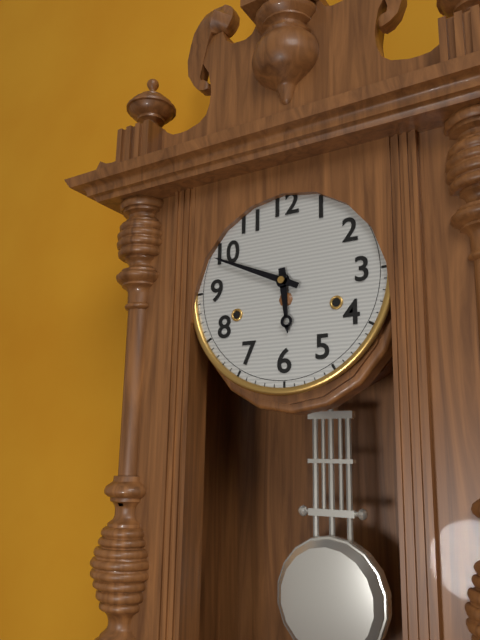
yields 5h49
